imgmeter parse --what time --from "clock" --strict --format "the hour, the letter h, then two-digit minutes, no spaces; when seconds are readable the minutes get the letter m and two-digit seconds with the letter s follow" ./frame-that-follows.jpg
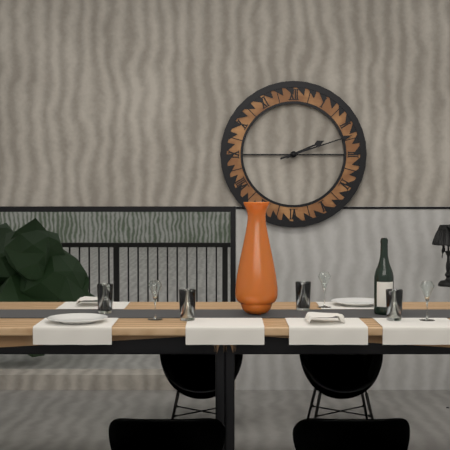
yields 2h12
